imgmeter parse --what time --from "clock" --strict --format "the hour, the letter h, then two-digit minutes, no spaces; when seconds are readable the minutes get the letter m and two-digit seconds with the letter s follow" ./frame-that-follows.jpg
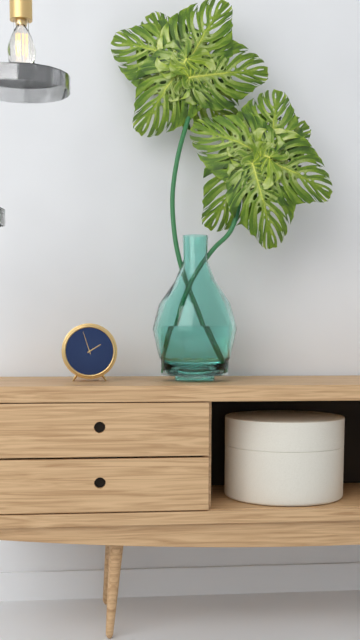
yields 1h57
